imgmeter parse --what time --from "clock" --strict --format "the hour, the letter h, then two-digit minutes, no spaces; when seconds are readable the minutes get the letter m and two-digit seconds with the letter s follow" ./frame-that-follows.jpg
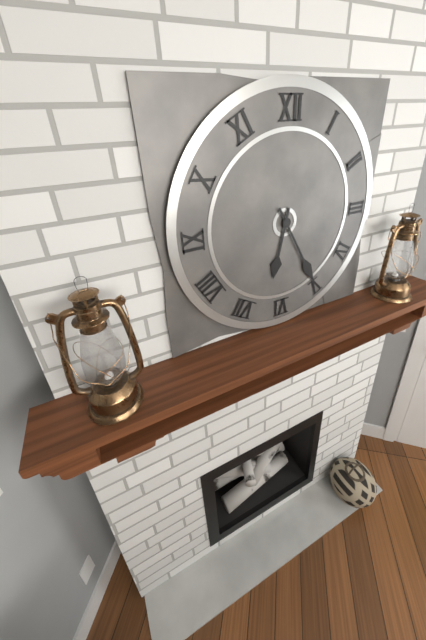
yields 6h25
